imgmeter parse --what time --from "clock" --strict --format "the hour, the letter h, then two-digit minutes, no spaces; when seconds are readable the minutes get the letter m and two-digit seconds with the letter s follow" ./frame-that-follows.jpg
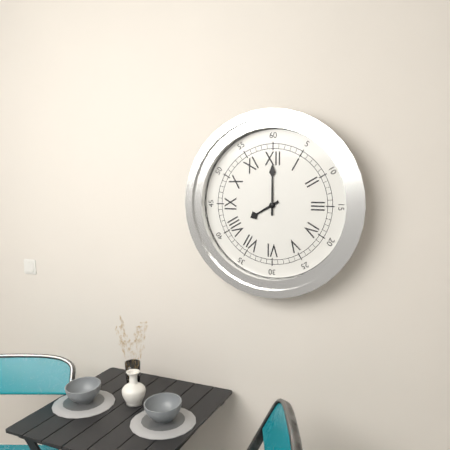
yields 8h00
